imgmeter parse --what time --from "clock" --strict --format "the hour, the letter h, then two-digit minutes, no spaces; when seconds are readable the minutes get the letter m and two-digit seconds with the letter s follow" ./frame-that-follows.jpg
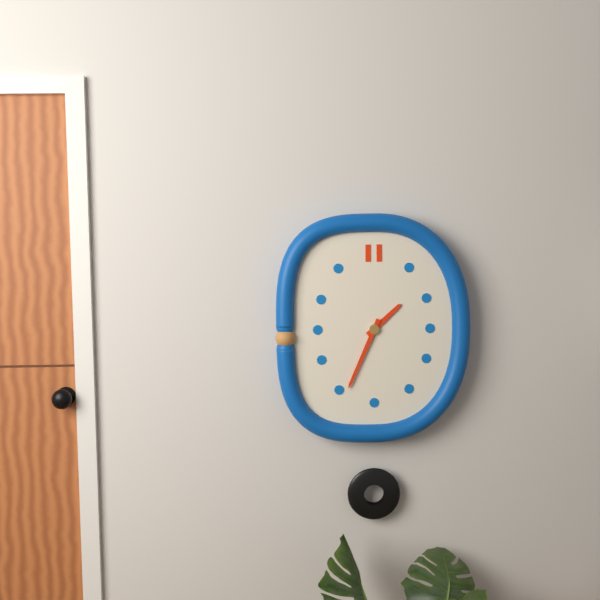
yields 1h34
